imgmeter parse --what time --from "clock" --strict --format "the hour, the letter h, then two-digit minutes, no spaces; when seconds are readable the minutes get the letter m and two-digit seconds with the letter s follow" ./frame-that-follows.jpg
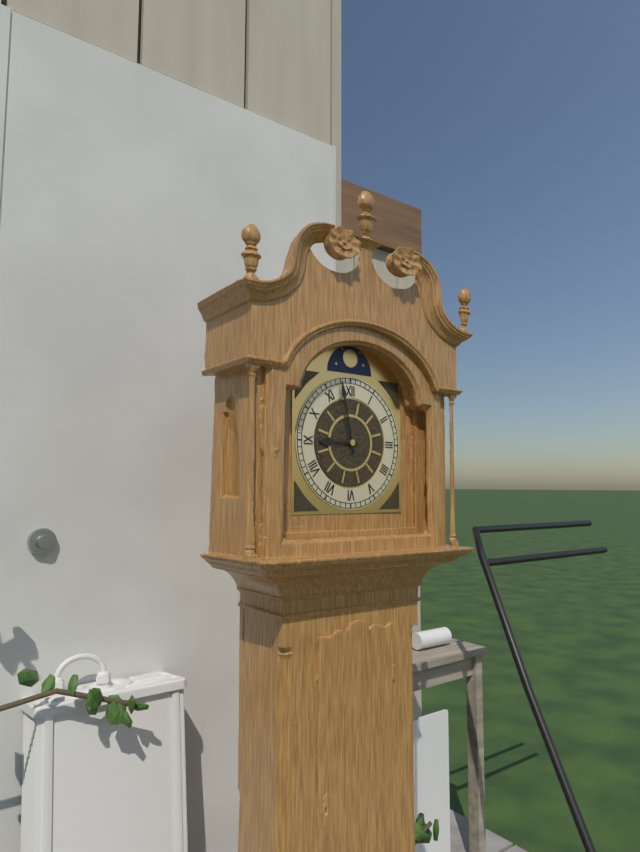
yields 8h58
